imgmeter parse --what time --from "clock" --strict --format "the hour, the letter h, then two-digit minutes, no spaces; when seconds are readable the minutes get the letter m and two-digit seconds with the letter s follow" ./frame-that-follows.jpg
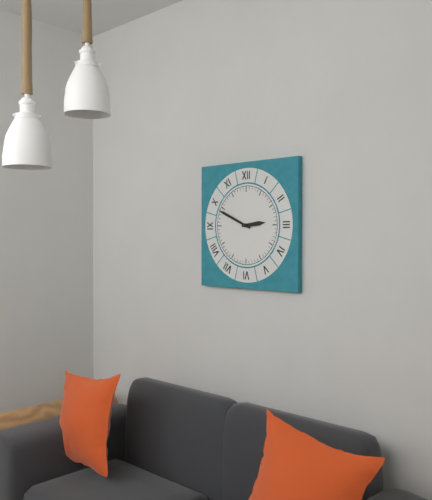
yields 2h49
